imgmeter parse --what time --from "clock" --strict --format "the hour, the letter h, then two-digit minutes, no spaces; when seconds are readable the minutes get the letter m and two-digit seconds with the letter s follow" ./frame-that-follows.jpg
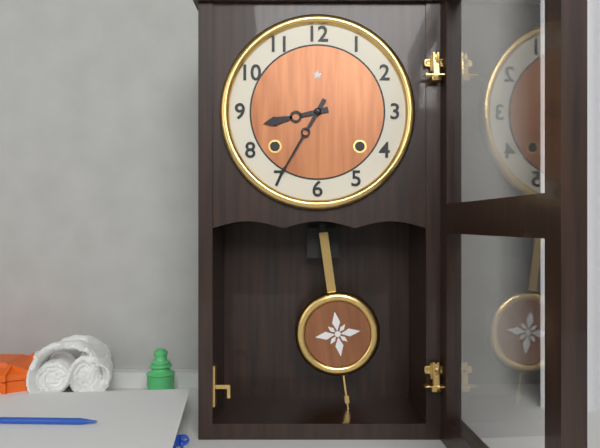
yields 8h35
